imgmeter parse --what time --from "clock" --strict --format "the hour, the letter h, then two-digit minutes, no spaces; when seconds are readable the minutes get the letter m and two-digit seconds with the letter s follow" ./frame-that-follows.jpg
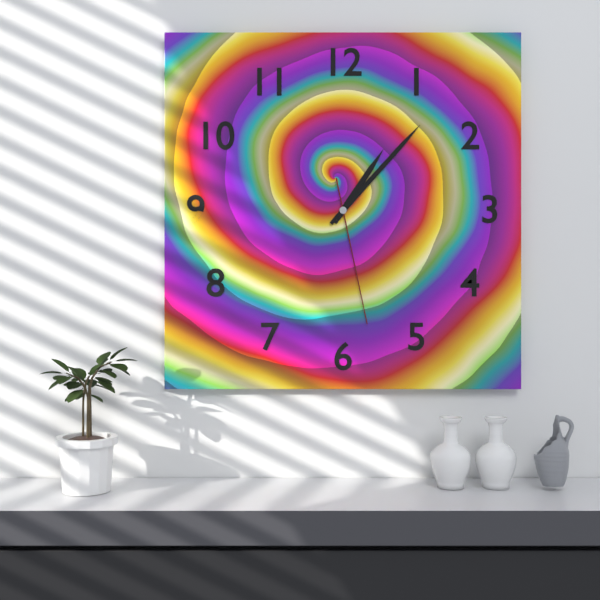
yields 1h07m28s
